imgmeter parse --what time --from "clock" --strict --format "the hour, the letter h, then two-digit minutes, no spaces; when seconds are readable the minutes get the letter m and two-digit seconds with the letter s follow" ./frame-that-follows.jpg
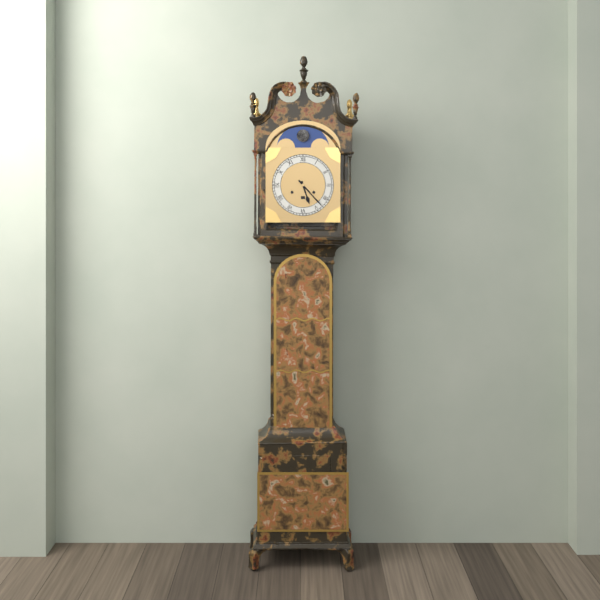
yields 5h23
